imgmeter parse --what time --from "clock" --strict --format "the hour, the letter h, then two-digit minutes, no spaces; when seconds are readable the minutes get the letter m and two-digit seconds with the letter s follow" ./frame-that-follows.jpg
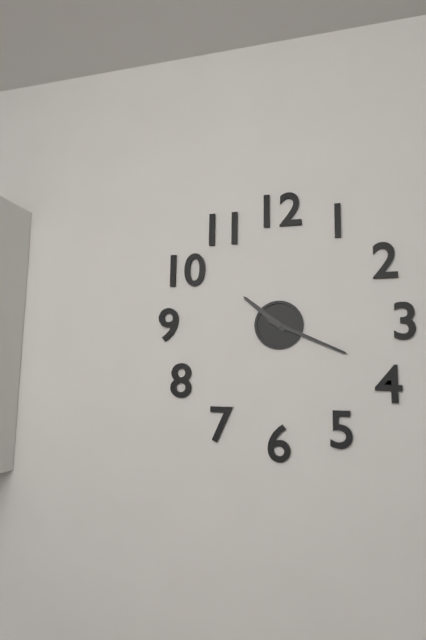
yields 10h19
